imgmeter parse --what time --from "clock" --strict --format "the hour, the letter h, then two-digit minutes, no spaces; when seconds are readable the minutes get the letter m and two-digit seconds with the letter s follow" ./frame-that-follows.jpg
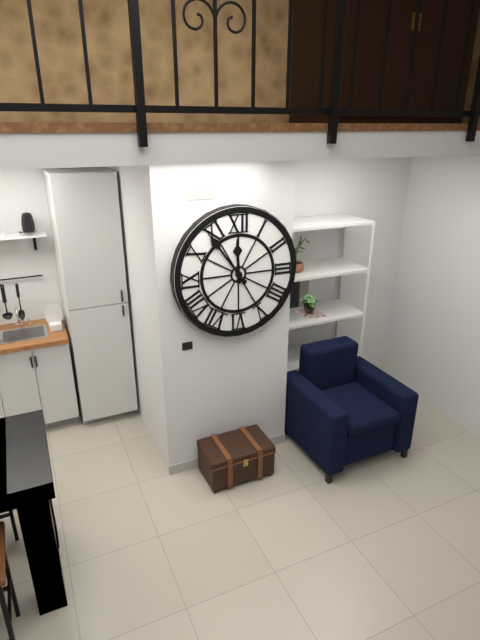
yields 11h54
